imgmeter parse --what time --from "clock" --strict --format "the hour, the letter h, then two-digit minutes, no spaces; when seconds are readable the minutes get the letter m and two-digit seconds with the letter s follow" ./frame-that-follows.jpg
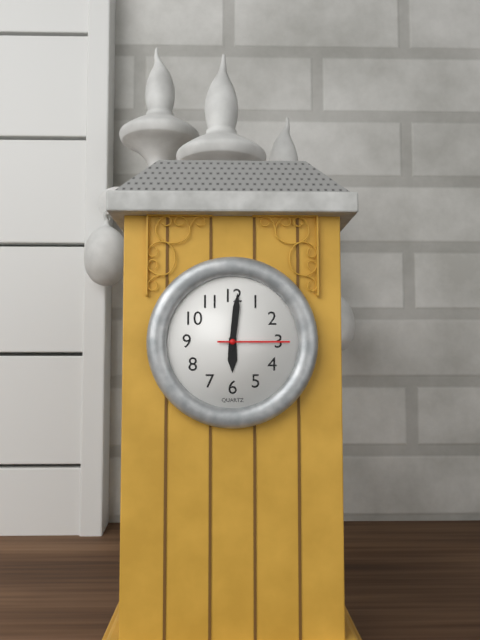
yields 6h01m15s
